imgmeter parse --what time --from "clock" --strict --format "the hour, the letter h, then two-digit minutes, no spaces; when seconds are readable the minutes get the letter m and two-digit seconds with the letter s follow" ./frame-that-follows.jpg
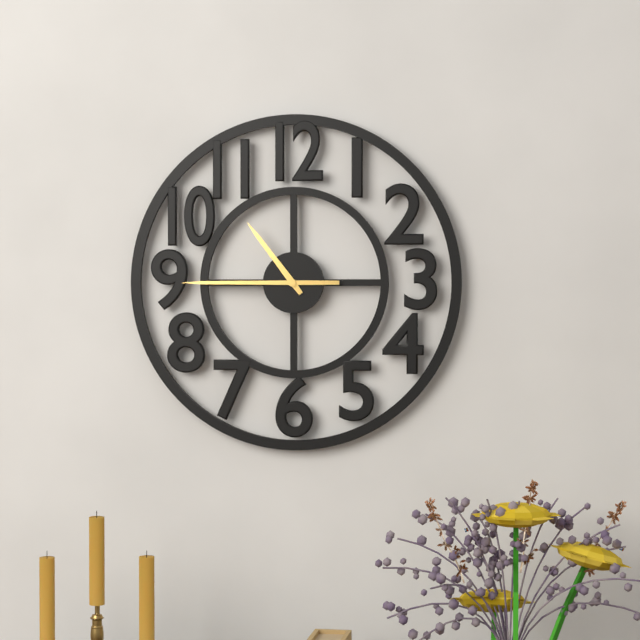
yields 10h45
